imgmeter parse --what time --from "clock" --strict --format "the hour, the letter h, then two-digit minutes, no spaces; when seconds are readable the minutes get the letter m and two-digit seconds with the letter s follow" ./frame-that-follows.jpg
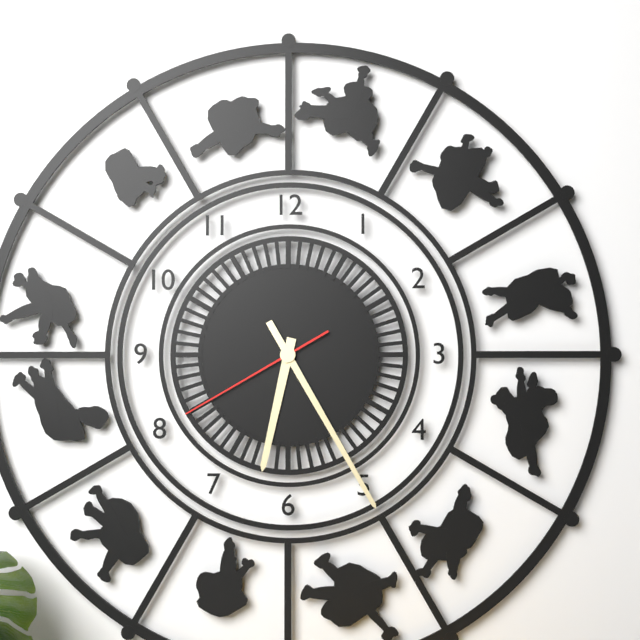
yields 6h25m40s
